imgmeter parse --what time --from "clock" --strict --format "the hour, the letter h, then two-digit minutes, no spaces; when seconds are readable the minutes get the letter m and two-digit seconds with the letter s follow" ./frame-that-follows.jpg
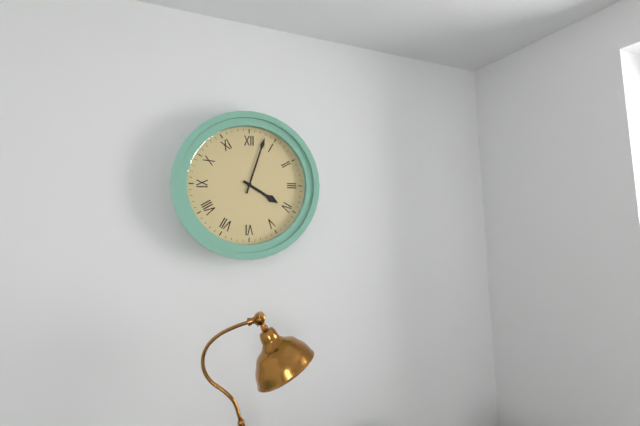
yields 4h03
